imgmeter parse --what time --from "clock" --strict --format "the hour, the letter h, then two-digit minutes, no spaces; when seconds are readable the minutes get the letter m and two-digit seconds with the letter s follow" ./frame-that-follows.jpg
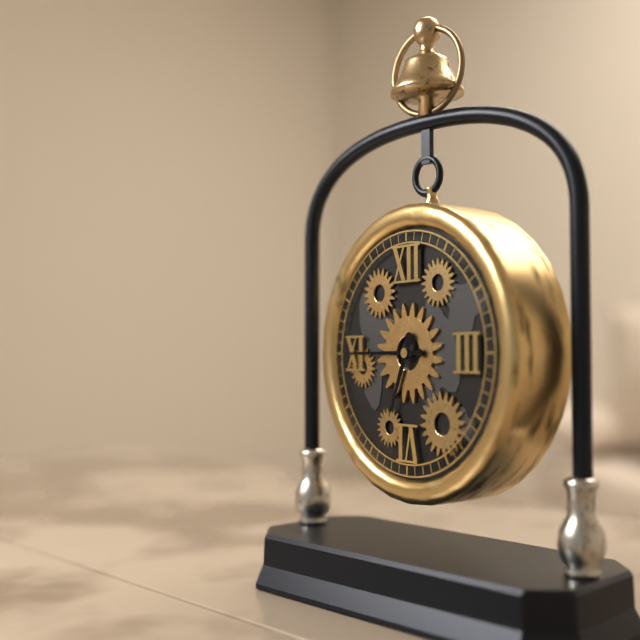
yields 6h45
